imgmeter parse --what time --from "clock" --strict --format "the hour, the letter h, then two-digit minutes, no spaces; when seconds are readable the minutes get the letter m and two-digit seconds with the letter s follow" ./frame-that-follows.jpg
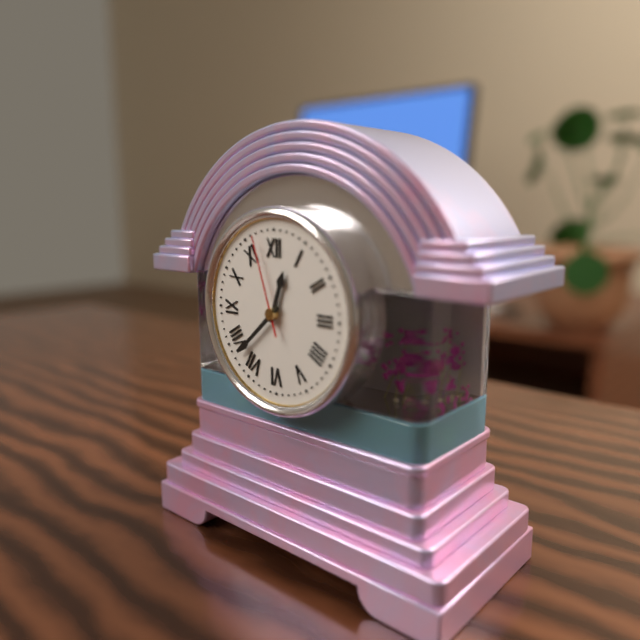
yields 12h38m57s
